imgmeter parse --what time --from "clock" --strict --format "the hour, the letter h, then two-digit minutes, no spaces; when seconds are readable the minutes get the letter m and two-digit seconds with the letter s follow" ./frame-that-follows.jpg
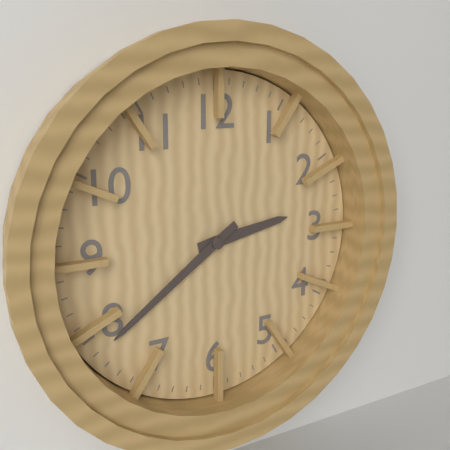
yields 2h39
